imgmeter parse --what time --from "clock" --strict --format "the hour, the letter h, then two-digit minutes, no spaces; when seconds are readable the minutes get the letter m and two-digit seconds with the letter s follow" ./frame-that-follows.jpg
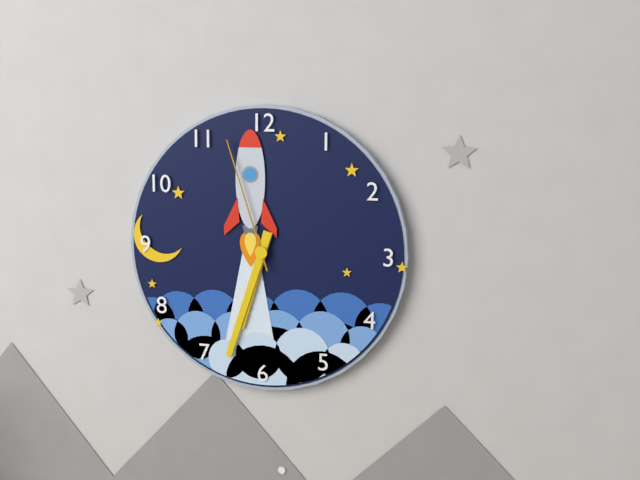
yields 6h33m57s
